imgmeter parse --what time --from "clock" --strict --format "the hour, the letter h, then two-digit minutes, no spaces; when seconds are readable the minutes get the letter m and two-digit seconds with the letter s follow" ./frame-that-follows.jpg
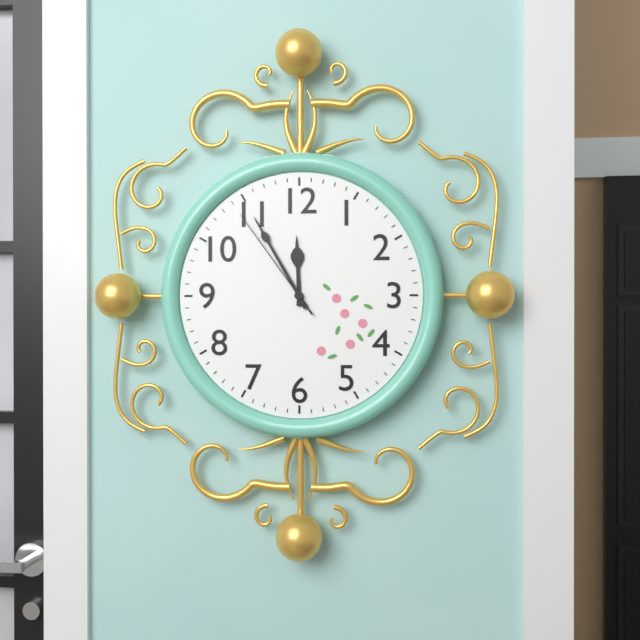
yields 11h55m54s
